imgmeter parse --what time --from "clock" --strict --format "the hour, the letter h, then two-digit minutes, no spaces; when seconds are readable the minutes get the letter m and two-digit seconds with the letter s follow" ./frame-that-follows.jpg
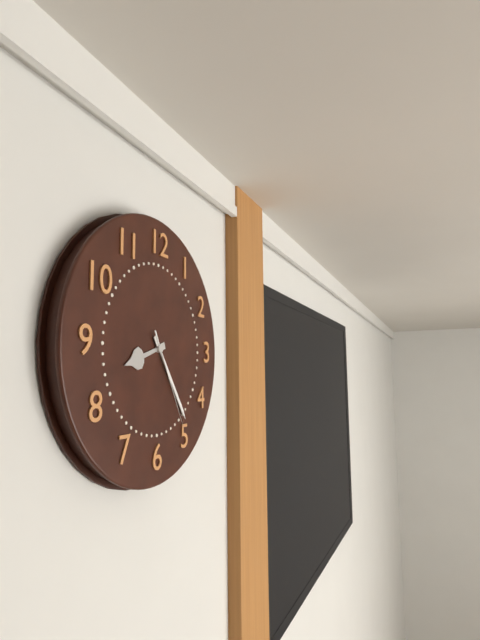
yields 8h24m25s
